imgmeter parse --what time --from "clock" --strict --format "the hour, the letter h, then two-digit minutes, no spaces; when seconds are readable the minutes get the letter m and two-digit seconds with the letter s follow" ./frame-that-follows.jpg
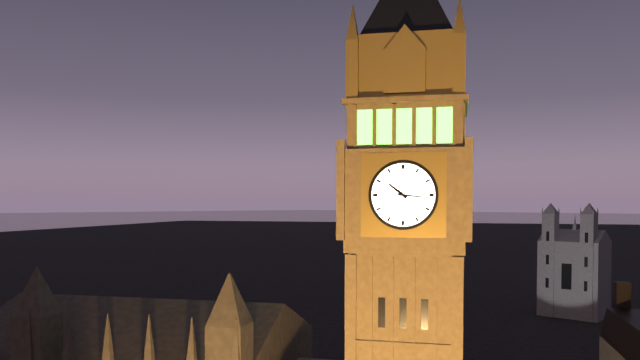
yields 10h16
